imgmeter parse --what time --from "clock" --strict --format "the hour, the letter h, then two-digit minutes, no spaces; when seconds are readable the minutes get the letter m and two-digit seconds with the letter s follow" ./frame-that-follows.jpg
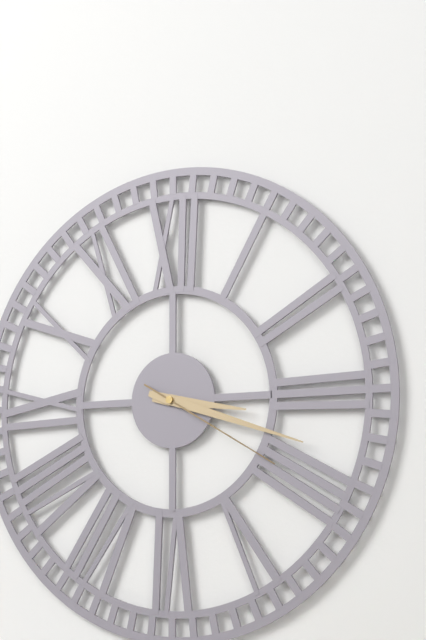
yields 3h18m20s
